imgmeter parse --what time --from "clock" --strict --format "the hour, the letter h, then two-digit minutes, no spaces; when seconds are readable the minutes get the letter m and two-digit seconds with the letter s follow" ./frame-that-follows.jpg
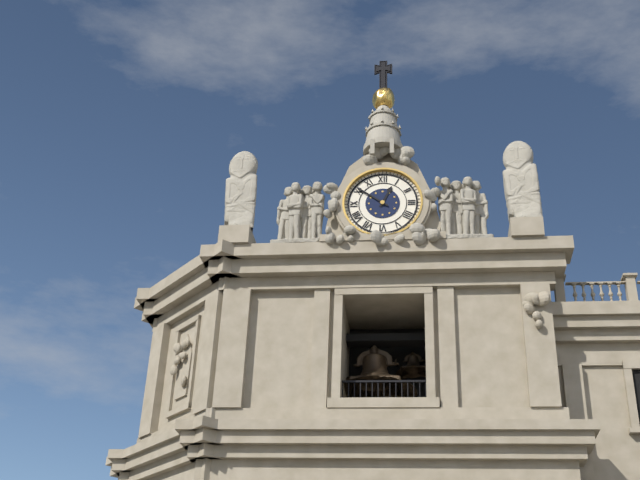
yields 12h51
